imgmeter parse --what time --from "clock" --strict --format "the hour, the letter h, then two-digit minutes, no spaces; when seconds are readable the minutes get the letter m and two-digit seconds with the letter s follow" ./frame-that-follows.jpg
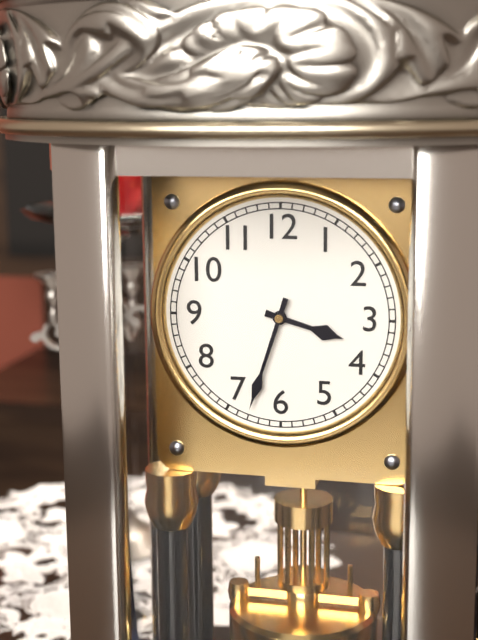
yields 3h33
